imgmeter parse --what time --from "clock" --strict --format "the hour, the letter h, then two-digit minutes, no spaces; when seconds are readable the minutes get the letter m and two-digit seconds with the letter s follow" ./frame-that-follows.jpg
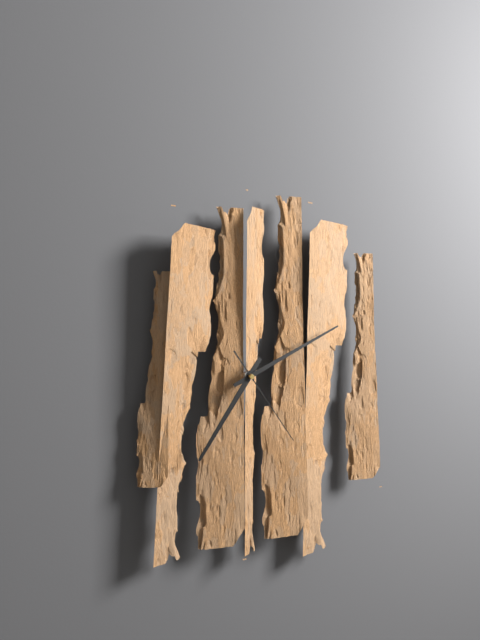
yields 7h11m24s
